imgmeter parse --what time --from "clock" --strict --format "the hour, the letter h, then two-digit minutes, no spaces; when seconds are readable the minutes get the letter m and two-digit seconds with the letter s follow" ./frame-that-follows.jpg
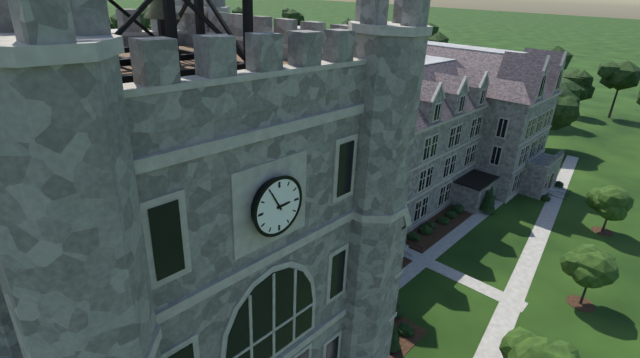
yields 2h55
